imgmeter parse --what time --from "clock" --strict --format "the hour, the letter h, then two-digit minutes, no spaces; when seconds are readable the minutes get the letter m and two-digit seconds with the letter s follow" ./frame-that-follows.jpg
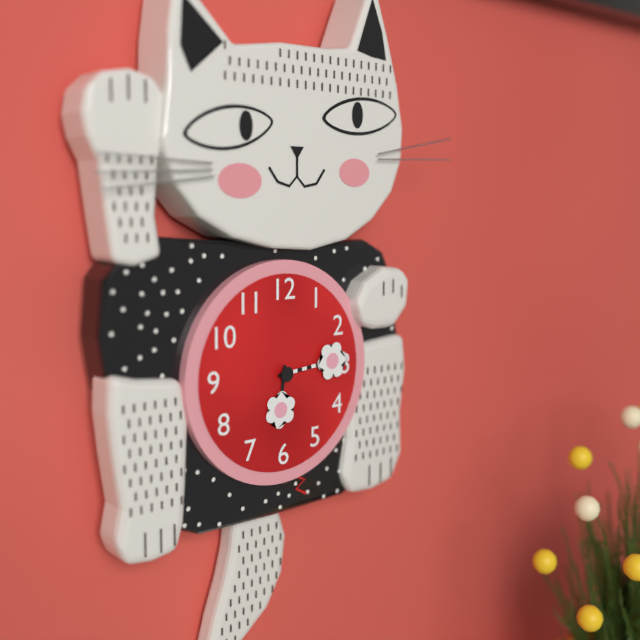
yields 6h14
